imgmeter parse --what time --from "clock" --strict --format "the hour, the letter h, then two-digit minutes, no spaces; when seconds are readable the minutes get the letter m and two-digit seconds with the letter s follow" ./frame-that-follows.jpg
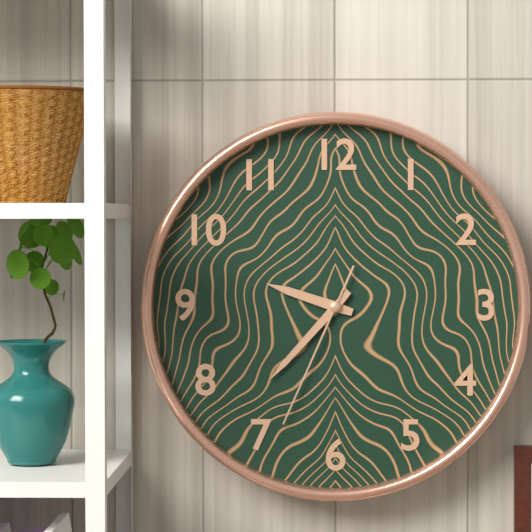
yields 9h37m34s
